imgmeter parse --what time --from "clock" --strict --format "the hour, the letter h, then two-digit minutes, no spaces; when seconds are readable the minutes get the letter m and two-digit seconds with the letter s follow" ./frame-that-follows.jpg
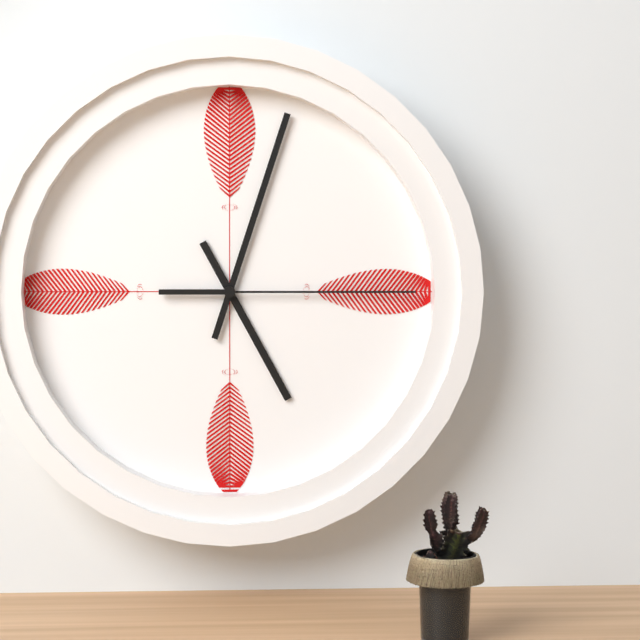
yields 5h03m15s
